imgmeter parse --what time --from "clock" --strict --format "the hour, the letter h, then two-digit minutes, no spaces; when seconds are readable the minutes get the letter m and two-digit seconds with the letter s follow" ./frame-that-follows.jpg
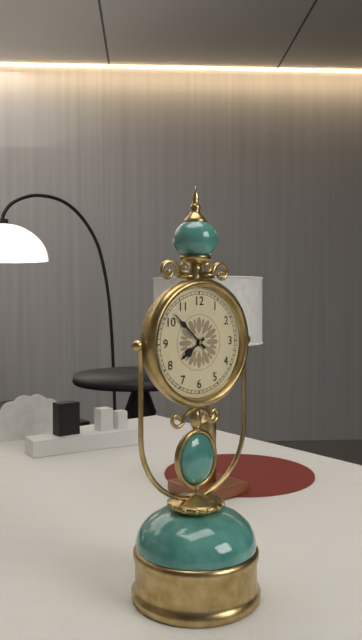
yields 7h52
